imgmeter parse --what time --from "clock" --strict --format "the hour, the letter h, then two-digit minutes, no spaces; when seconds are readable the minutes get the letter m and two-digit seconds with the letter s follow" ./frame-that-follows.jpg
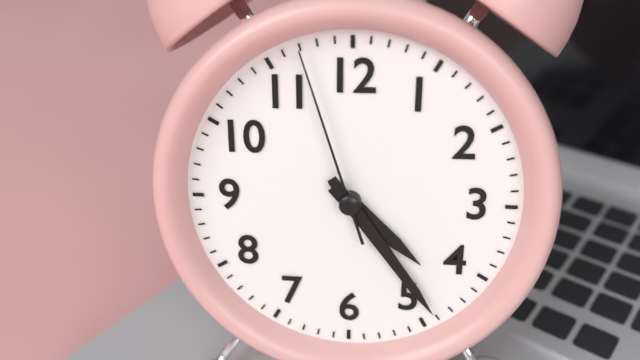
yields 4h24m57s
